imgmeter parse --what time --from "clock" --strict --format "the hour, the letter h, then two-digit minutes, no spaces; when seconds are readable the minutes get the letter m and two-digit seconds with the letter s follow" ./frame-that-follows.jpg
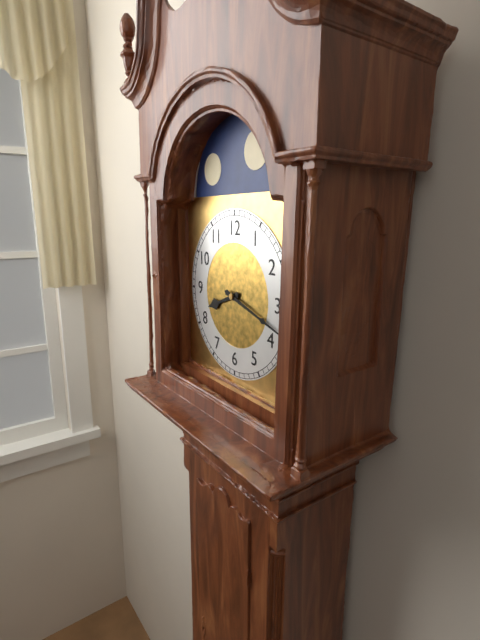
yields 8h18
